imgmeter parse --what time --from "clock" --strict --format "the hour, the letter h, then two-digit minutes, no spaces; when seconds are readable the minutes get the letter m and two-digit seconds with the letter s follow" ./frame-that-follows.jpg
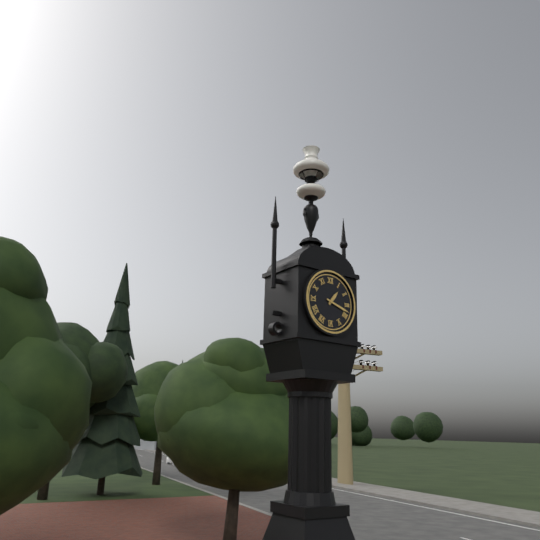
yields 1h18
